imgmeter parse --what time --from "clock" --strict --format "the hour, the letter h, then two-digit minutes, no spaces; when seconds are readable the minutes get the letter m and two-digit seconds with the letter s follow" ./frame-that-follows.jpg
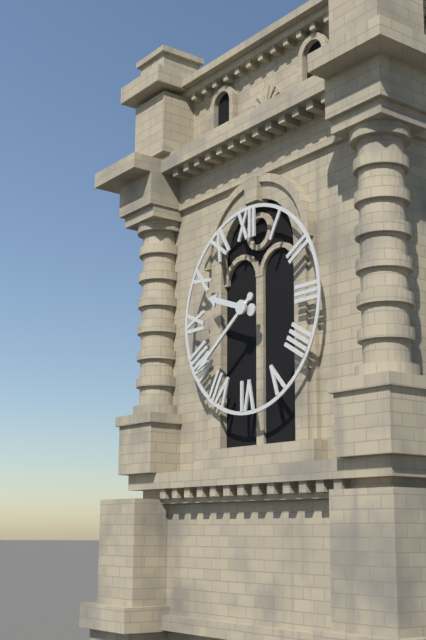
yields 9h39
